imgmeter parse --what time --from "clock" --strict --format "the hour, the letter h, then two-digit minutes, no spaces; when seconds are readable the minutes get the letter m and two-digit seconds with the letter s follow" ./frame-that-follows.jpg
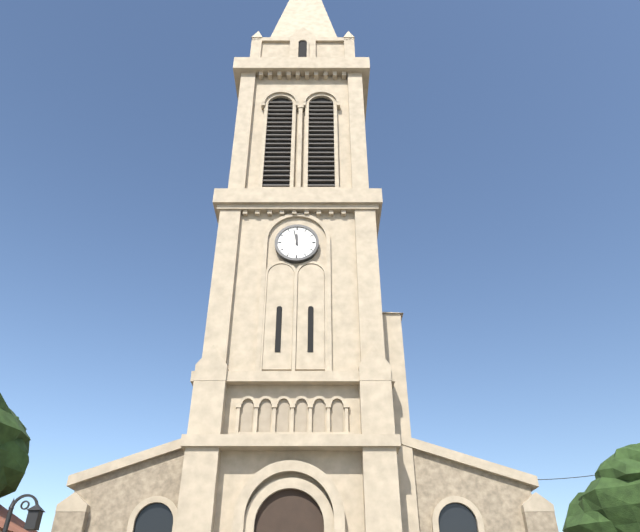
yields 11h58
